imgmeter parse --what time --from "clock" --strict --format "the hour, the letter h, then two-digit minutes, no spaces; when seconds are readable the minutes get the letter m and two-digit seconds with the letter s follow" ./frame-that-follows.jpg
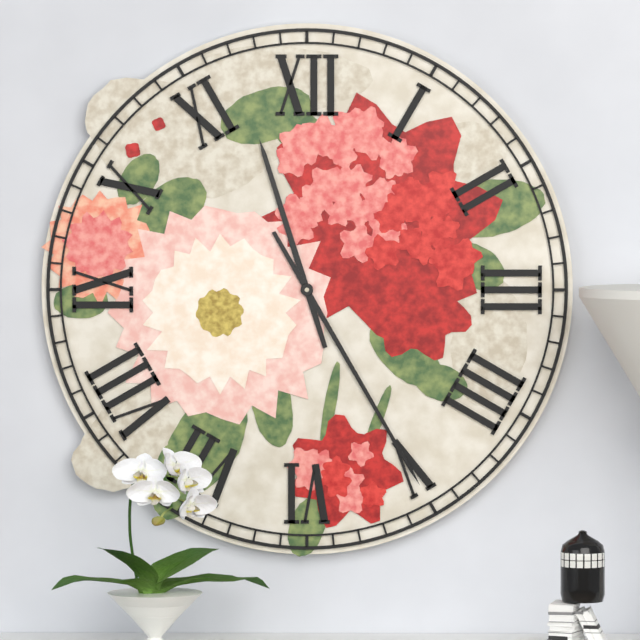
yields 11h25
